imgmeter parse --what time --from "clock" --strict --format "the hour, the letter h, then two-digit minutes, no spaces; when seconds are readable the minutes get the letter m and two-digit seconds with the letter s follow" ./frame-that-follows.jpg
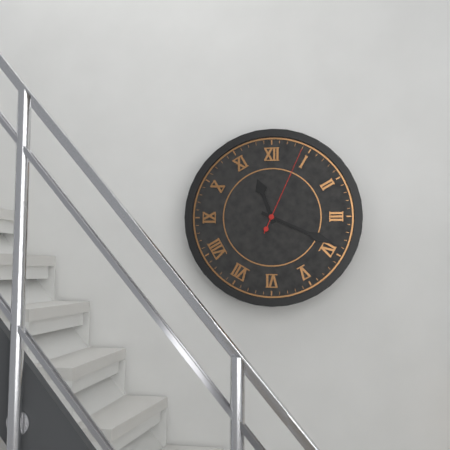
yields 11h19m04s
